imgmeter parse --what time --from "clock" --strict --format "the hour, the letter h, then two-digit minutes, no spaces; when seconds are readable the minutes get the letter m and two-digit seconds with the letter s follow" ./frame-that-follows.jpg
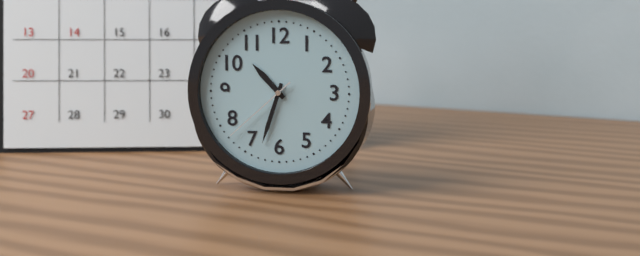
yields 10h33m38s
